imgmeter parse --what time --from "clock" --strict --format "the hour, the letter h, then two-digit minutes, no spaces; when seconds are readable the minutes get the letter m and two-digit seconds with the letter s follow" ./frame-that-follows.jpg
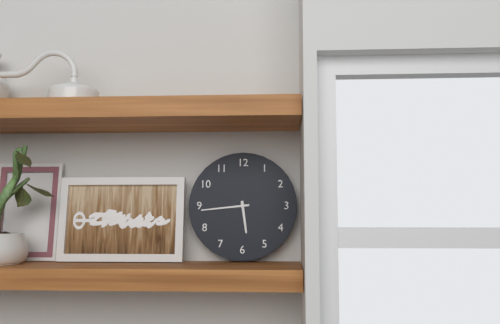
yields 5h44
